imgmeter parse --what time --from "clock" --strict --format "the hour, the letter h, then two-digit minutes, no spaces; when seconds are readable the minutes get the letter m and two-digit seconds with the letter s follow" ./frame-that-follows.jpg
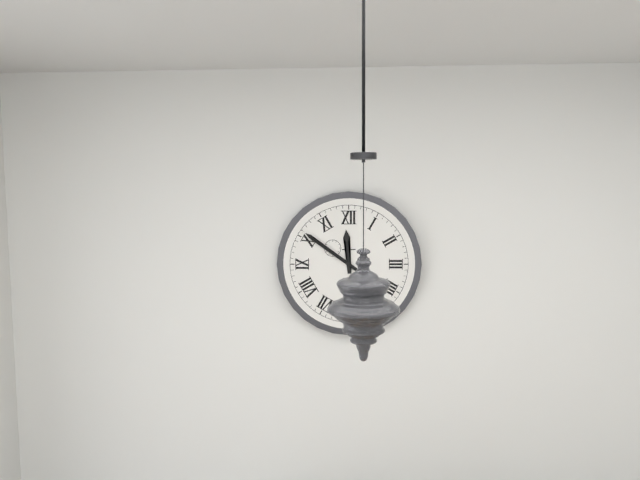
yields 11h51
